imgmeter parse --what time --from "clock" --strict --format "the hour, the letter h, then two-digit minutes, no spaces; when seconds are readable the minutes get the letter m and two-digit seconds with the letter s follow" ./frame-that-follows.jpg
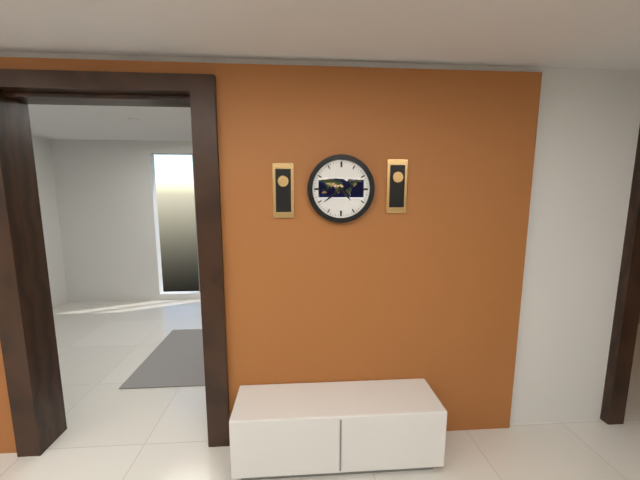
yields 4h39
